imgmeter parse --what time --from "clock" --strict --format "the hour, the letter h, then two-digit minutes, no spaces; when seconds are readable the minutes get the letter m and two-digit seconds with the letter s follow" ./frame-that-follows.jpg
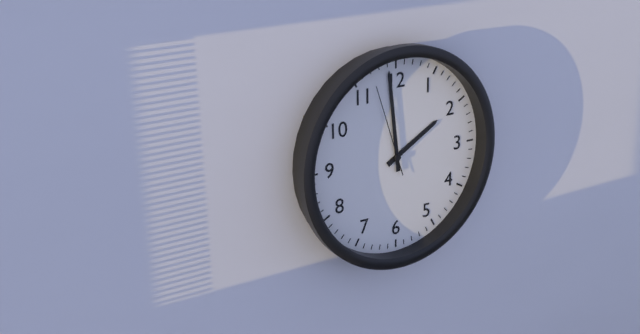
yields 1h59m57s
